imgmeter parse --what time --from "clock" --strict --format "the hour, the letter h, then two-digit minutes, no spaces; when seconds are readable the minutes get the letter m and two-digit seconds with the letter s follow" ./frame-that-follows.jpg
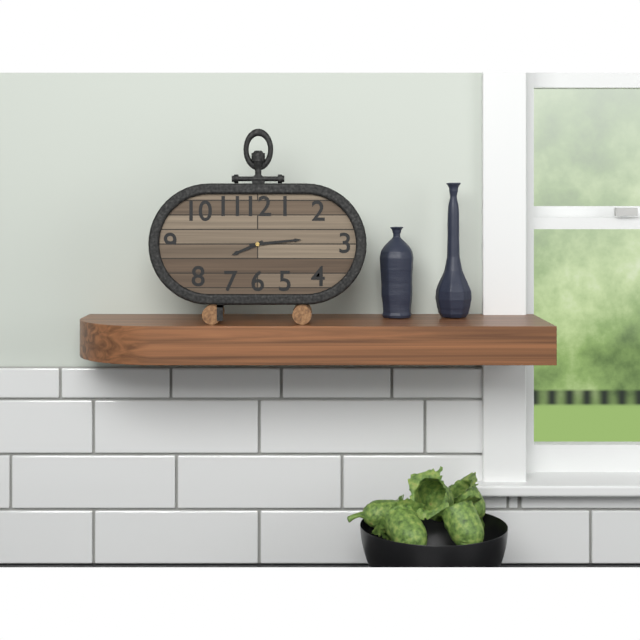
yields 8h14
